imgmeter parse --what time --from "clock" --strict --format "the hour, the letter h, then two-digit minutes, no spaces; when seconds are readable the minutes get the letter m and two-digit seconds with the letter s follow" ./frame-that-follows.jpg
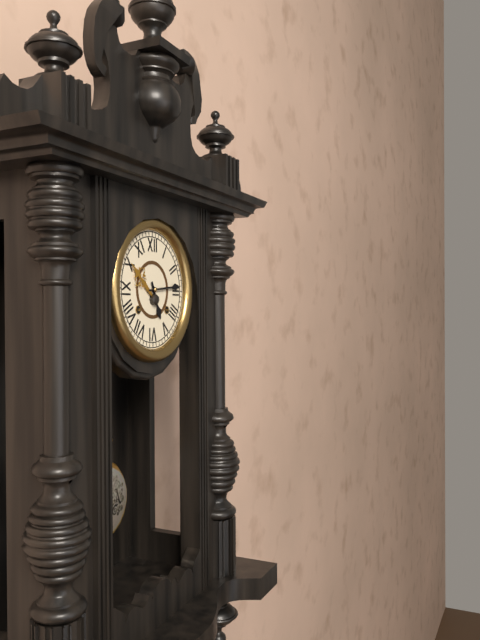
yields 5h14
